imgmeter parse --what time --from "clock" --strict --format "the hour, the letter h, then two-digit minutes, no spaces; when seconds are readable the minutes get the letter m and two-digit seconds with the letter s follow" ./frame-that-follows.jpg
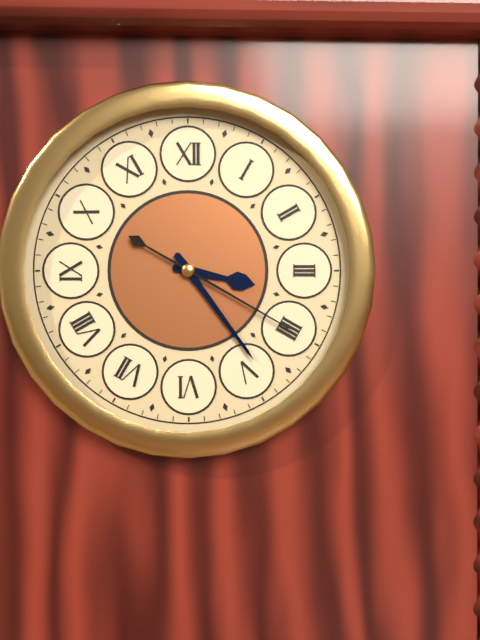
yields 3h24m20s
